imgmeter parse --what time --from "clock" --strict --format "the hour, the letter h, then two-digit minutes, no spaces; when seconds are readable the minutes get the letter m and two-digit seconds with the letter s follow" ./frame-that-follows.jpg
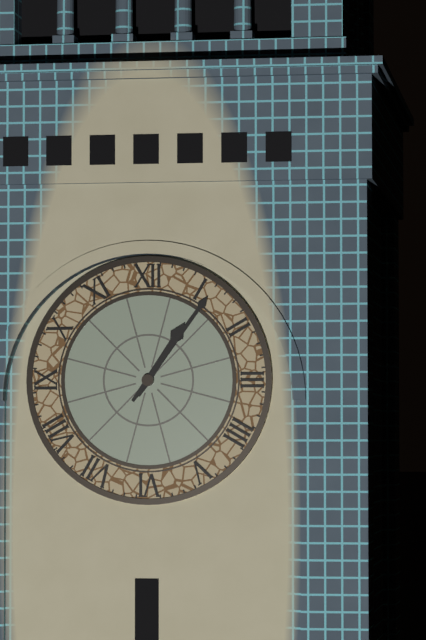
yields 1h06
